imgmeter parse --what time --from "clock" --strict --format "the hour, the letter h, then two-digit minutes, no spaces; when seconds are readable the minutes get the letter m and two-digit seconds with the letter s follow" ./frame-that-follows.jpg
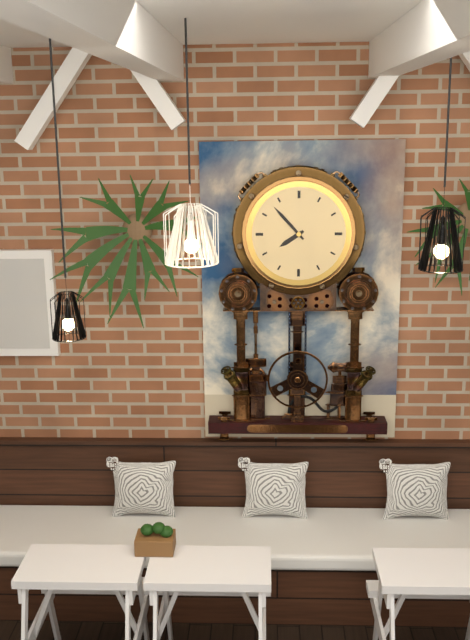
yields 7h53
